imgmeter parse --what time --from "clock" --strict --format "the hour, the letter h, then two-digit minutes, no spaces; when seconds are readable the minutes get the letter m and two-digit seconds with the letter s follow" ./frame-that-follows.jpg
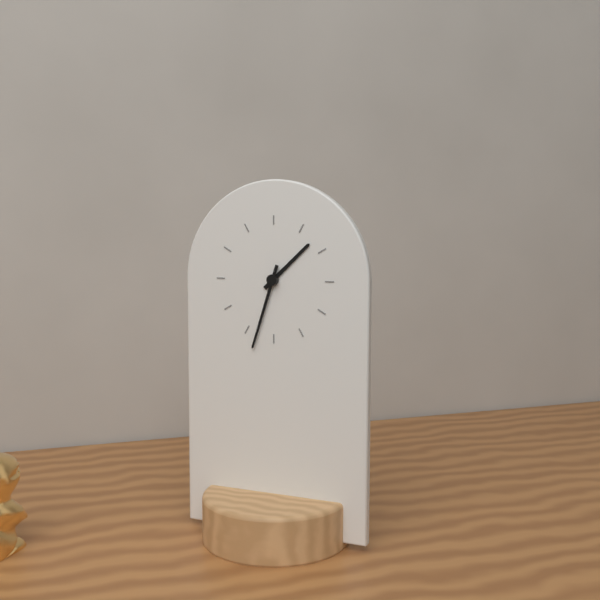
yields 1h33
